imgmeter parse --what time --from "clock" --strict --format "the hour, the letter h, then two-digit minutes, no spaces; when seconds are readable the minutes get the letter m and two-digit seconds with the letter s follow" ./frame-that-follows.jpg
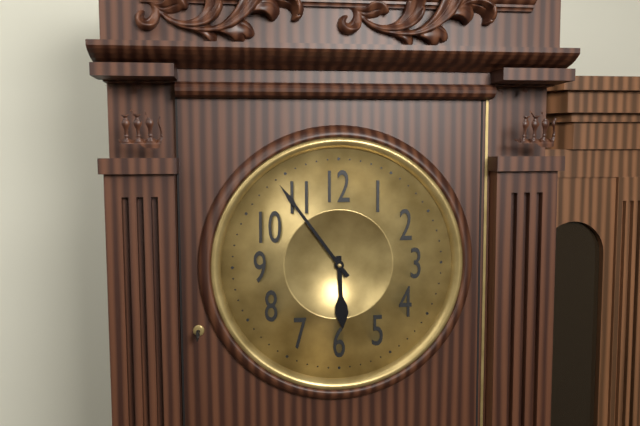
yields 5h54
